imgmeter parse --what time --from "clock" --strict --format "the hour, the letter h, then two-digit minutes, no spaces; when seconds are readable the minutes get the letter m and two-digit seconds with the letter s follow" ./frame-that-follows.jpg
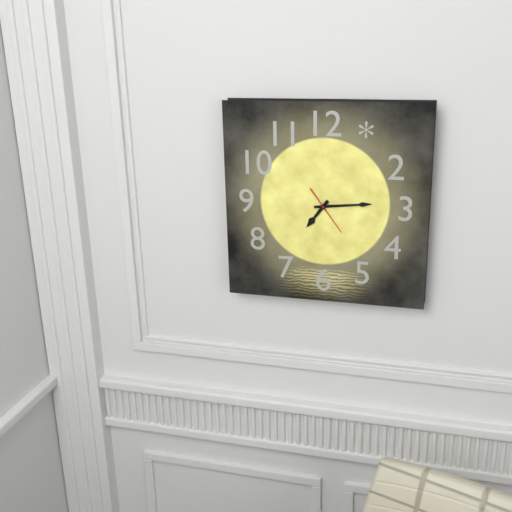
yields 7h14
